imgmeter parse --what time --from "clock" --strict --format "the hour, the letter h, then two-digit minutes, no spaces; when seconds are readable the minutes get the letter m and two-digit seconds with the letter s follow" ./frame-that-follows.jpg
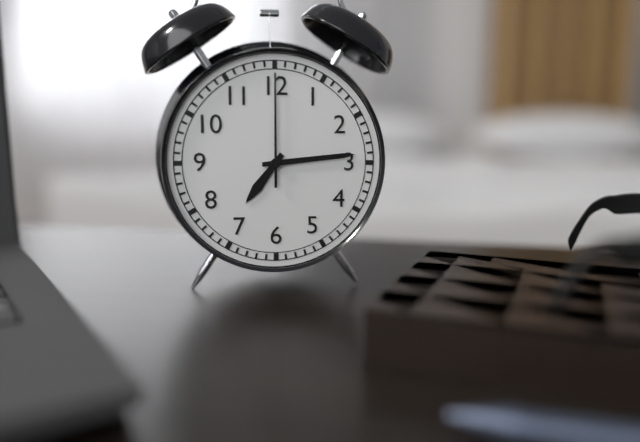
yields 7h14m00s
